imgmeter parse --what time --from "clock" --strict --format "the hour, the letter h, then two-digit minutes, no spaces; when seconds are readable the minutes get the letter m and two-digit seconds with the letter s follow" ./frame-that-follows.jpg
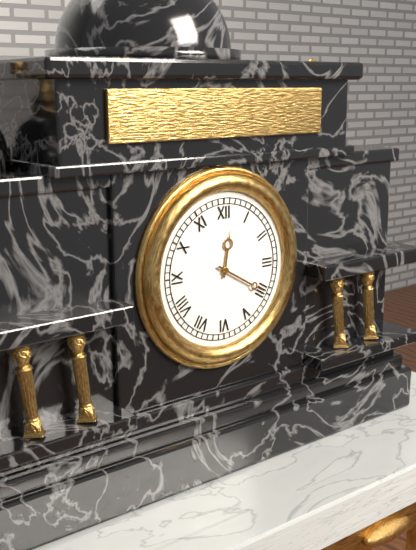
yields 12h20
